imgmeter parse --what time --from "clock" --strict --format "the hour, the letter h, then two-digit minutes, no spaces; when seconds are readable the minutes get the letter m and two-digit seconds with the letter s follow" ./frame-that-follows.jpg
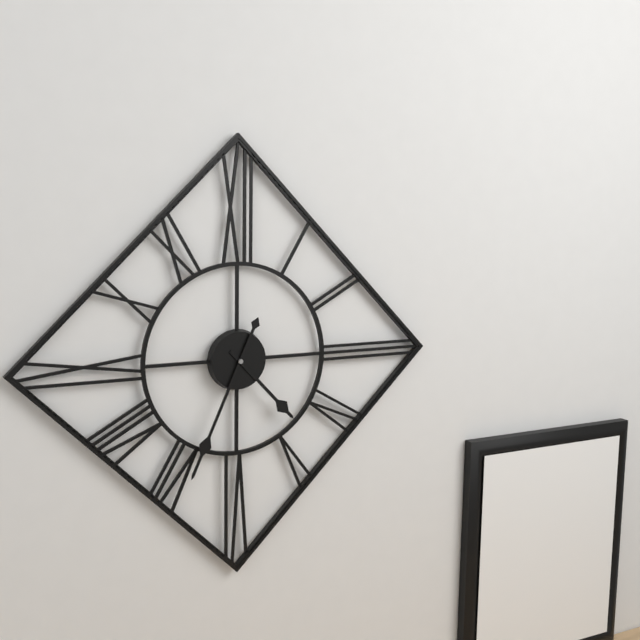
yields 4h34
